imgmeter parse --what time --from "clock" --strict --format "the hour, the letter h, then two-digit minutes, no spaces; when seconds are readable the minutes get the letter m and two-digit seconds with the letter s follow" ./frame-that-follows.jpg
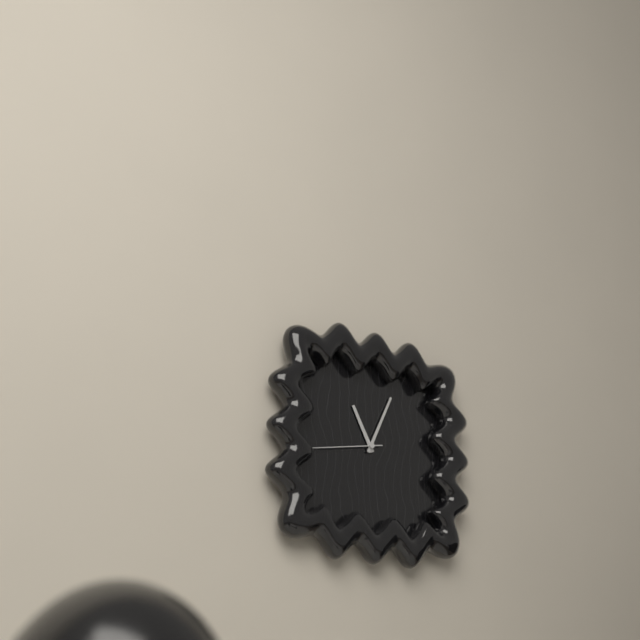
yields 11h04m43s
